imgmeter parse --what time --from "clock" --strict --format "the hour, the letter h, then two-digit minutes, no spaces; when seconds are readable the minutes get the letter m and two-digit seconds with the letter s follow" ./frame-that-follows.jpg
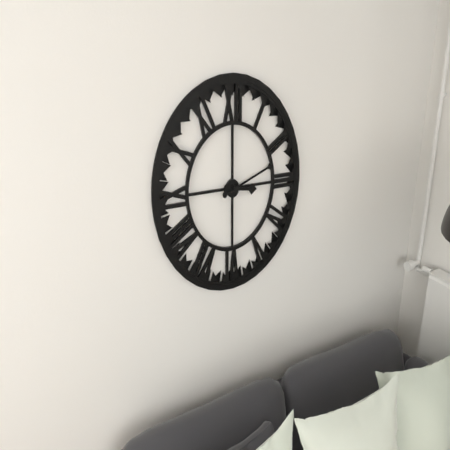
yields 3h12
